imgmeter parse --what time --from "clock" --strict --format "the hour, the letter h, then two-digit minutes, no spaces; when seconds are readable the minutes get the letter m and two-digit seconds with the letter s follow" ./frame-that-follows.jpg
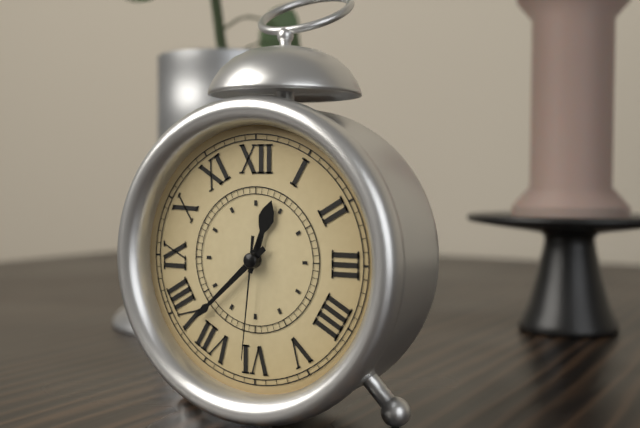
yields 12h38m31s
